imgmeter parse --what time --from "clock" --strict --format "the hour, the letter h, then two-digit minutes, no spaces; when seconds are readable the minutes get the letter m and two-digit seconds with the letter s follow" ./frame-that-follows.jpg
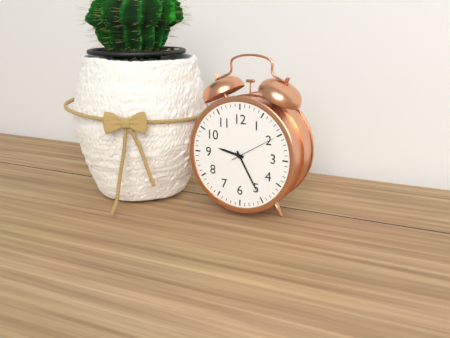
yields 9h25
